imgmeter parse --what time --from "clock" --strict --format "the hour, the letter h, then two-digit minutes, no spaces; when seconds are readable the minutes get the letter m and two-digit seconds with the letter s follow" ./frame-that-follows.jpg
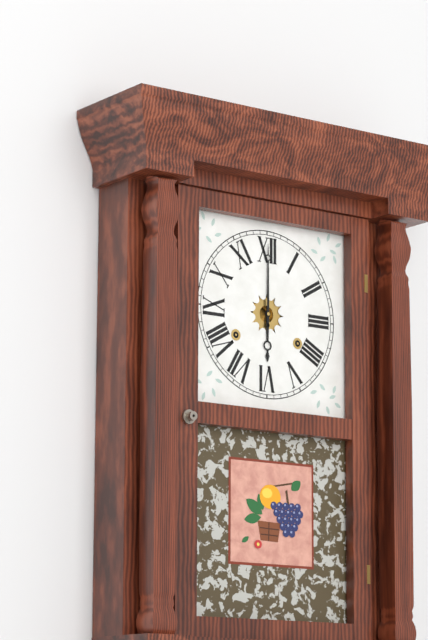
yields 6h00
